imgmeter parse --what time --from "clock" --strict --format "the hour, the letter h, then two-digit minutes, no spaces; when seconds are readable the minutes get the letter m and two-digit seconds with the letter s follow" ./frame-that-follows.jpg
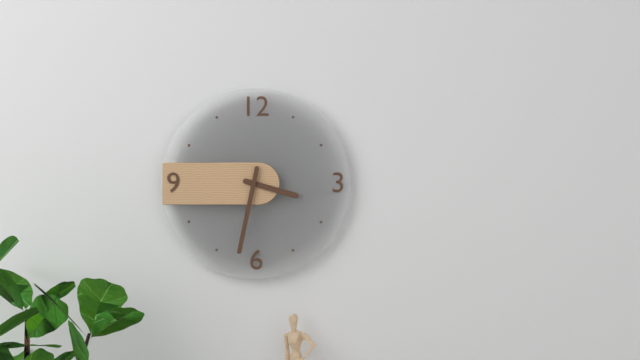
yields 3h32
